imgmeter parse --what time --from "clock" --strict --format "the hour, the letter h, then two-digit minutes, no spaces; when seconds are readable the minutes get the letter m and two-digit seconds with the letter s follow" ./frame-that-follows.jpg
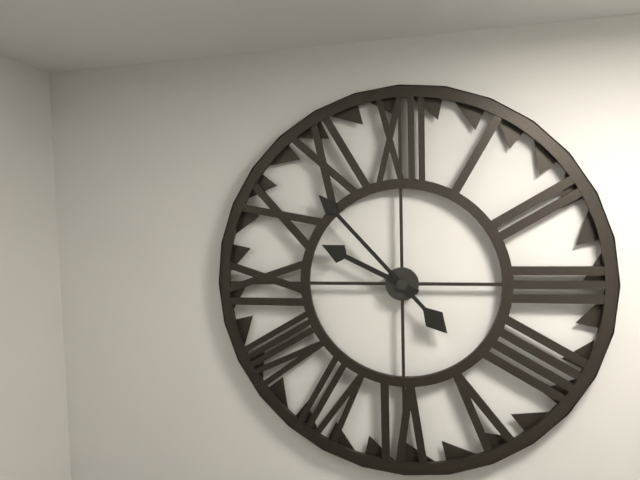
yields 9h53
